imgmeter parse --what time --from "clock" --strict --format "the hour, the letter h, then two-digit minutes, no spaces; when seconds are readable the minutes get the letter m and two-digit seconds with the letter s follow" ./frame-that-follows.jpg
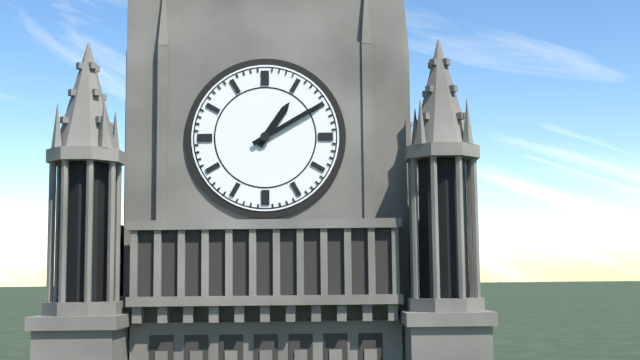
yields 1h10
